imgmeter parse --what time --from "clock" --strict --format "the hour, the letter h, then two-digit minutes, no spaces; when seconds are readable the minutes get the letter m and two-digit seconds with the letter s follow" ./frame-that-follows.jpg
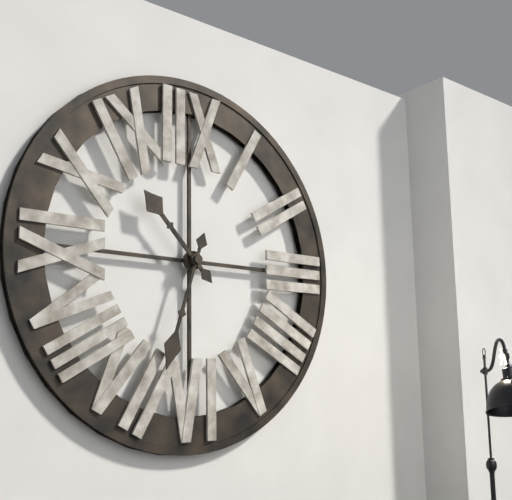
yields 10h33
